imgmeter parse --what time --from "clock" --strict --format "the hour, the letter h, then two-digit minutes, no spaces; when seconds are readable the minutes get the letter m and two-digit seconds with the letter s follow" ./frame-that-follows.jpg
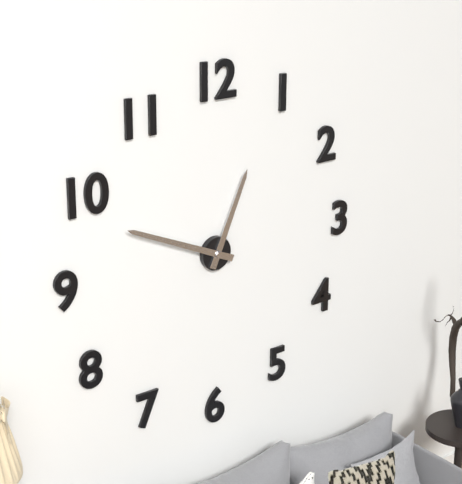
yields 12h49
